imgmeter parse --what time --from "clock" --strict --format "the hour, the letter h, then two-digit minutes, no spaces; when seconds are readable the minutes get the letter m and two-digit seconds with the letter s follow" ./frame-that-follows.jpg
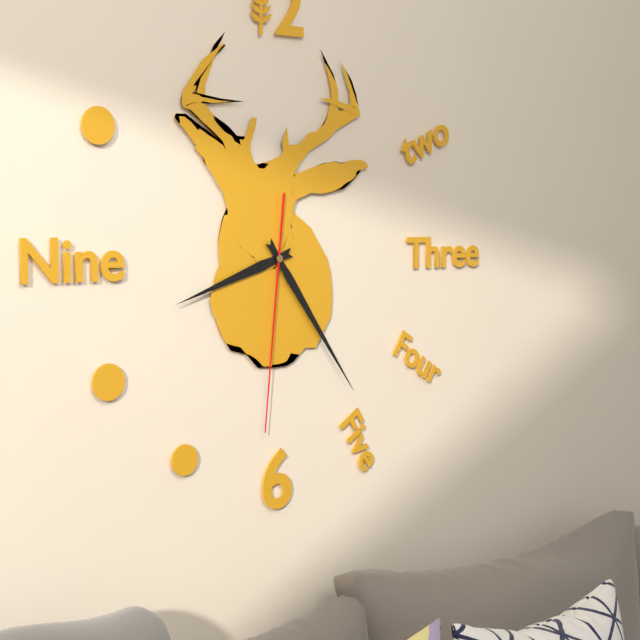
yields 8h24m31s
